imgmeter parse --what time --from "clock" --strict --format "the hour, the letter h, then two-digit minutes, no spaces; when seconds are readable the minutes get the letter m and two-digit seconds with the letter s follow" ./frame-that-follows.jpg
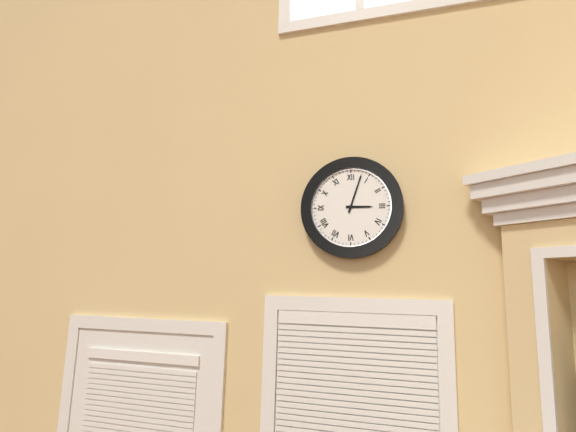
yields 3h03
